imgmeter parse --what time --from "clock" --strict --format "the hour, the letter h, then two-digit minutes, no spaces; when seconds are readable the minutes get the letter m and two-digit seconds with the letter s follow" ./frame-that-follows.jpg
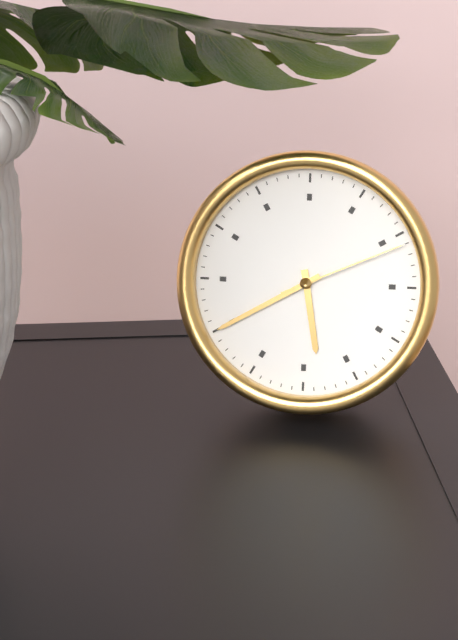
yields 5h40m11s
